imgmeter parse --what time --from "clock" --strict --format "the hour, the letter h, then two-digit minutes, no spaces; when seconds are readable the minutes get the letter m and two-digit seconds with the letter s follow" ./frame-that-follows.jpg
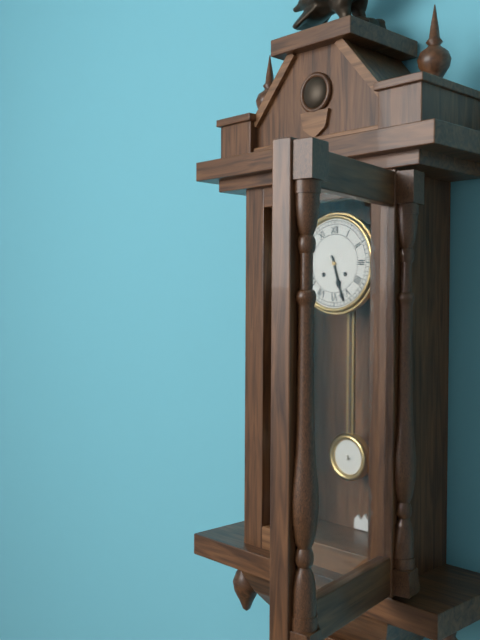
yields 5h27
